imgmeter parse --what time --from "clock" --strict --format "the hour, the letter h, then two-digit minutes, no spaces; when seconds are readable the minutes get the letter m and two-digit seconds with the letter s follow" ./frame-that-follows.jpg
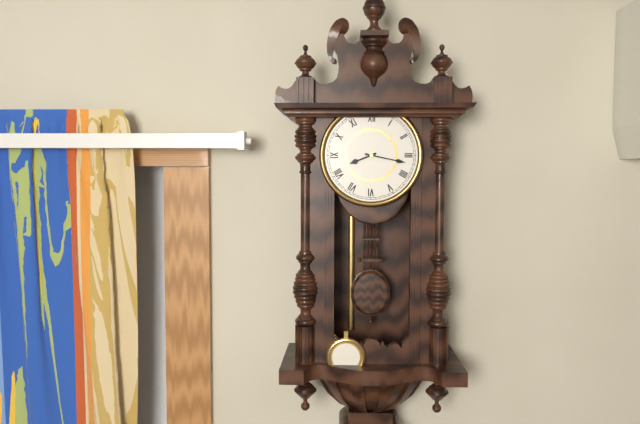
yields 8h17
